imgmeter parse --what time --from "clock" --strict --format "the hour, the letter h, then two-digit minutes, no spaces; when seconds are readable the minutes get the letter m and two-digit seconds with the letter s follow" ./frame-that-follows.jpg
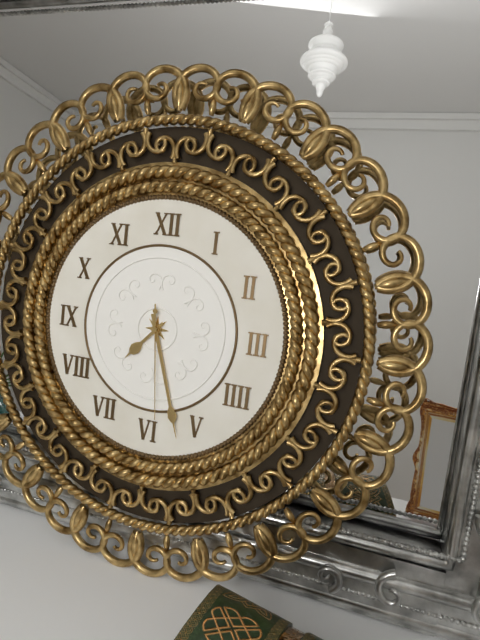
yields 7h27m29s
